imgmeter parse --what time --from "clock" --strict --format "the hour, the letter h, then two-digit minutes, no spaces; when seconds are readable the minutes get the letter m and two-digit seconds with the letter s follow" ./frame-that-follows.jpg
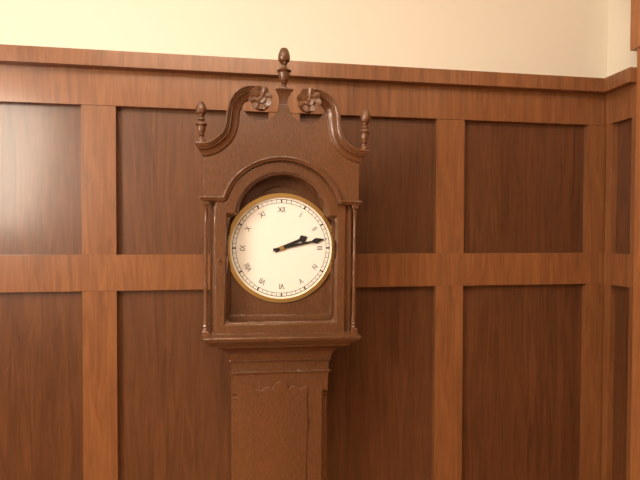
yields 2h13
